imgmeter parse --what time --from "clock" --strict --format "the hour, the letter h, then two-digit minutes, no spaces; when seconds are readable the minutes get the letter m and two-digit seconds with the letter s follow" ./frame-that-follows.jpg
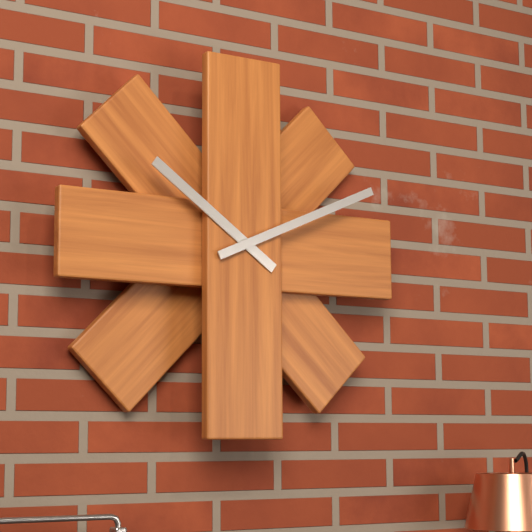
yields 10h11
